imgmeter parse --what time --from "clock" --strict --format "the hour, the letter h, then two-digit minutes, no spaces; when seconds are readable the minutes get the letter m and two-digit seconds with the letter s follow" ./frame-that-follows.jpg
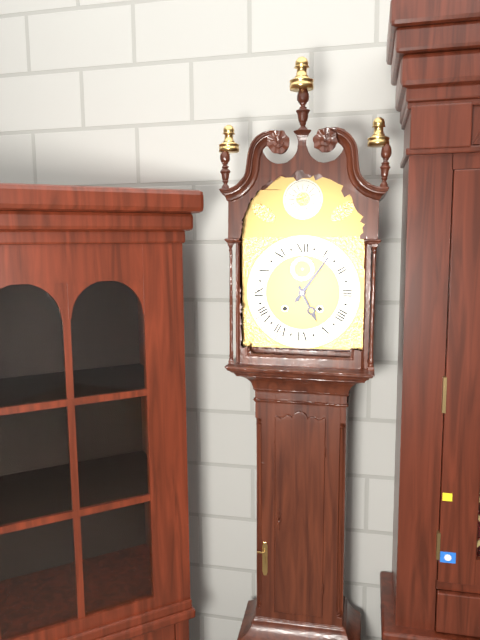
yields 5h06
